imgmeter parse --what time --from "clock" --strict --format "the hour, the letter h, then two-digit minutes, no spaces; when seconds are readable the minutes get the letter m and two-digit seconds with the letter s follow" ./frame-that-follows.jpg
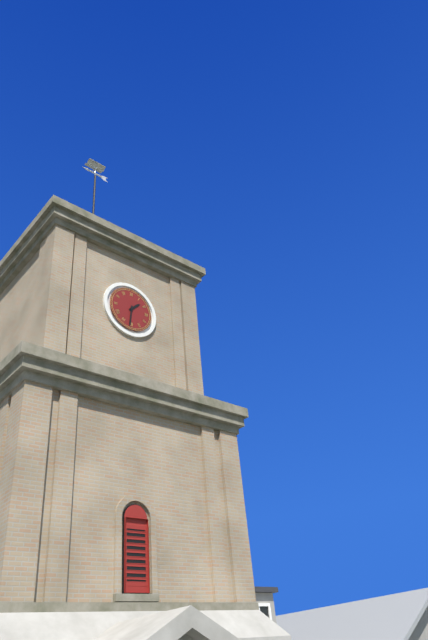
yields 1h31
